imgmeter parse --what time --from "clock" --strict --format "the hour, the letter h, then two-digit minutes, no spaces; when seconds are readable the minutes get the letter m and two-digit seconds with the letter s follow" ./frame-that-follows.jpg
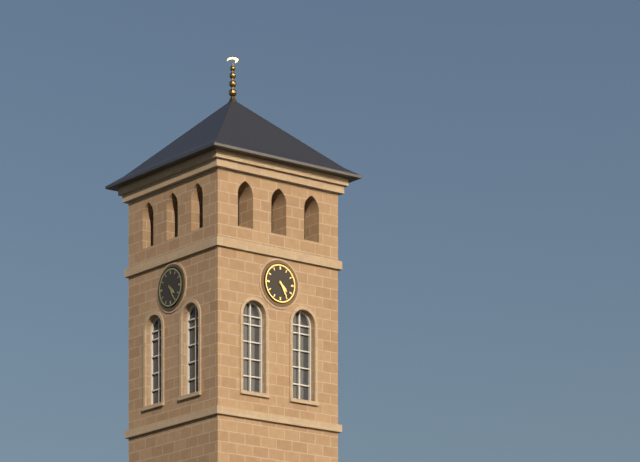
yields 4h25
